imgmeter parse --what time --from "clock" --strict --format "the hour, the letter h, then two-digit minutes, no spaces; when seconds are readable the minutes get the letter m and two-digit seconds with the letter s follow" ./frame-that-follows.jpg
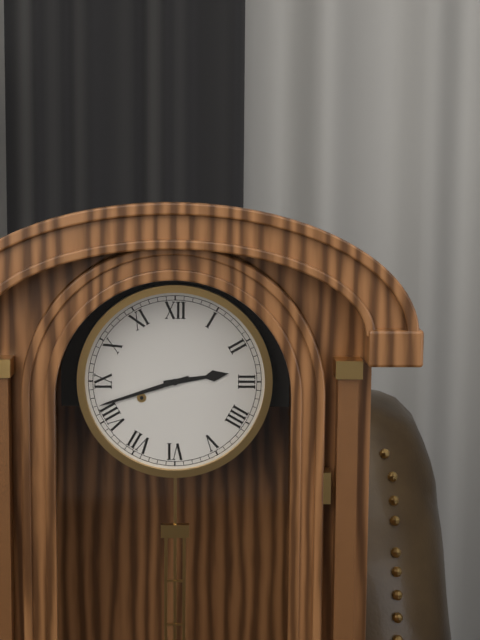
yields 2h42
